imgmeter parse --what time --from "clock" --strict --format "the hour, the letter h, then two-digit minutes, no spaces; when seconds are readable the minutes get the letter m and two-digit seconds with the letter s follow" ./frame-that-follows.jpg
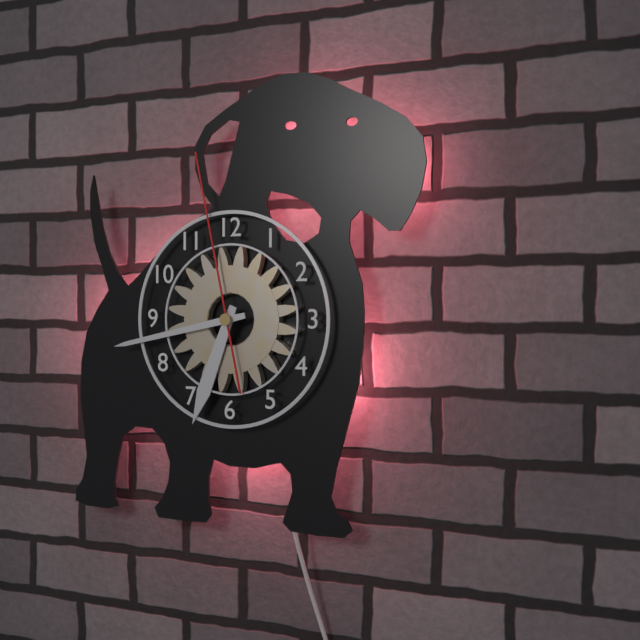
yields 6h43m58s
